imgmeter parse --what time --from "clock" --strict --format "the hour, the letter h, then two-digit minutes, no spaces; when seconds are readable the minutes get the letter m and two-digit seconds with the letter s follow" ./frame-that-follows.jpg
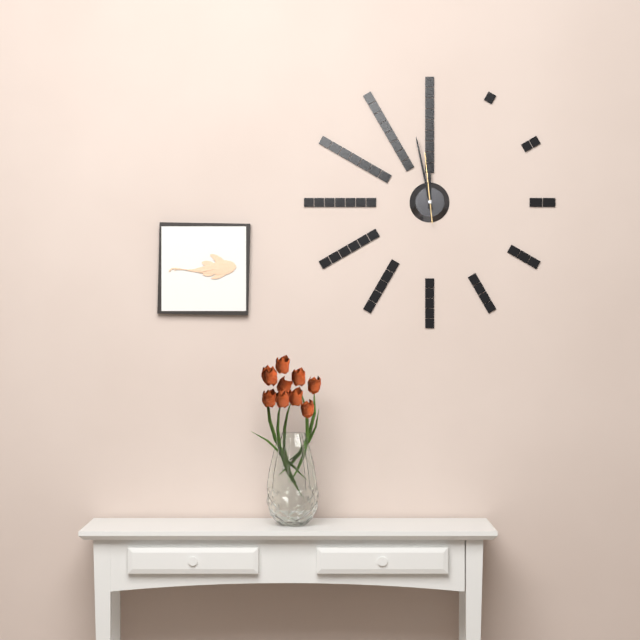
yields 11h58m59s
